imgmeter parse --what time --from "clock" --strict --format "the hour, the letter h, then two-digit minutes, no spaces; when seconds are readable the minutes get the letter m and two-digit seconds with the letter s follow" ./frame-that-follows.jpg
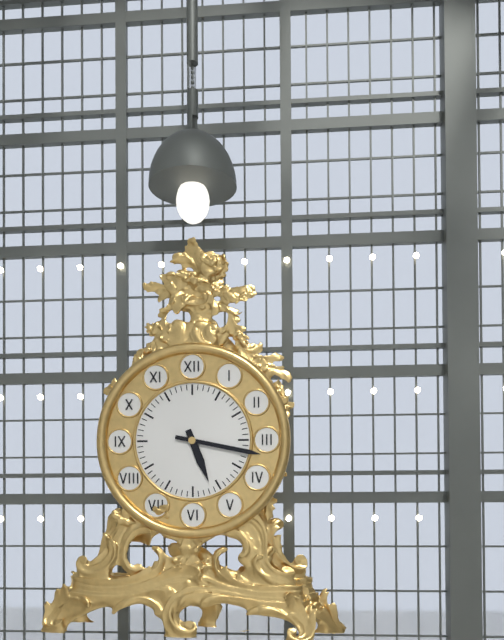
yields 5h17
